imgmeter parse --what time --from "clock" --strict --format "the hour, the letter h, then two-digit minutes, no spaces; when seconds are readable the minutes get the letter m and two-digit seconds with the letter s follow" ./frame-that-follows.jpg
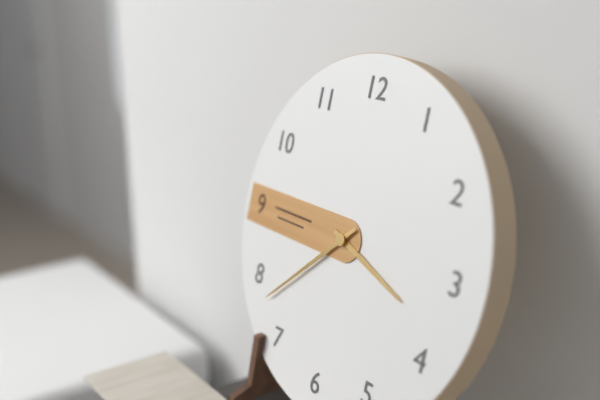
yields 3h38
